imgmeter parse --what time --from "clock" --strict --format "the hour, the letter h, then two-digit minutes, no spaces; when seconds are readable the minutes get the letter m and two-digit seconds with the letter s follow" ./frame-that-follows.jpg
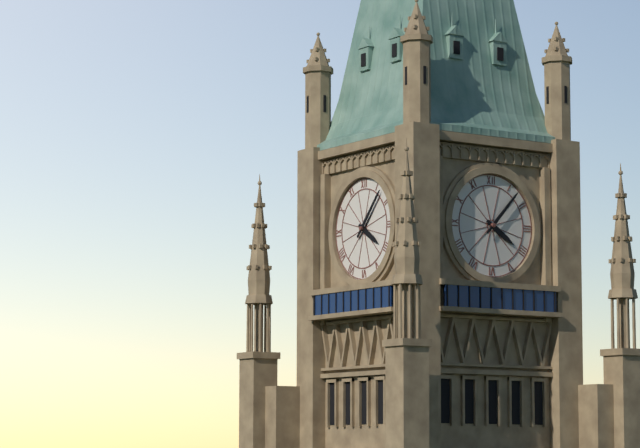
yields 4h07
